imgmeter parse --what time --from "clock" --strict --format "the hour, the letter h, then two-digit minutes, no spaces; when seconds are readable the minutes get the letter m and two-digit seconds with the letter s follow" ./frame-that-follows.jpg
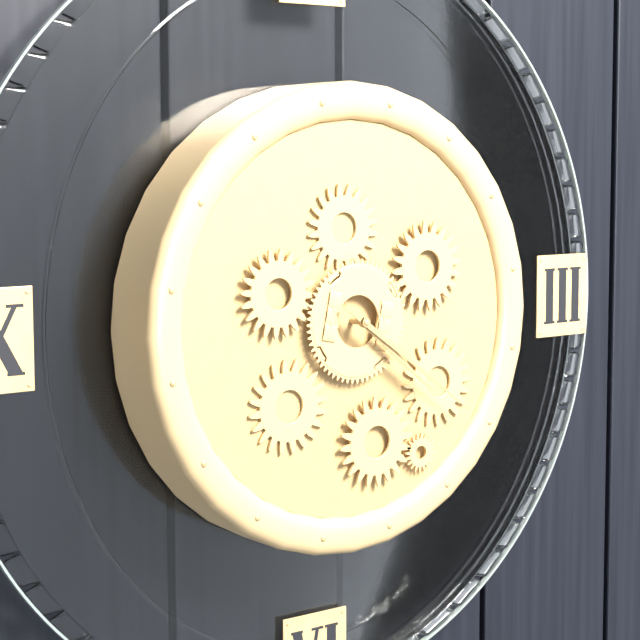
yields 4h21
